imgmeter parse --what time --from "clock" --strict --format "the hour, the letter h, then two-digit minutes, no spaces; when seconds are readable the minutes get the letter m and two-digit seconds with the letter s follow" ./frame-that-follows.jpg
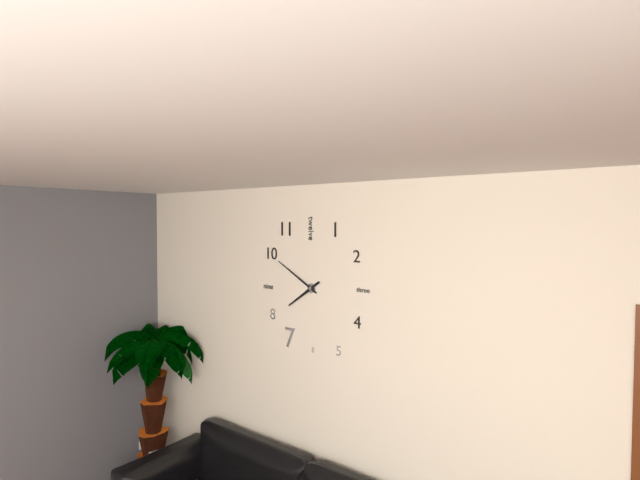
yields 7h50
